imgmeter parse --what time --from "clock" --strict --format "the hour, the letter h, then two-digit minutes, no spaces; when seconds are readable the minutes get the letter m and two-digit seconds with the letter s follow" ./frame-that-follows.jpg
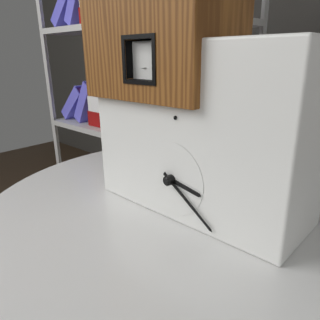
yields 3h21
